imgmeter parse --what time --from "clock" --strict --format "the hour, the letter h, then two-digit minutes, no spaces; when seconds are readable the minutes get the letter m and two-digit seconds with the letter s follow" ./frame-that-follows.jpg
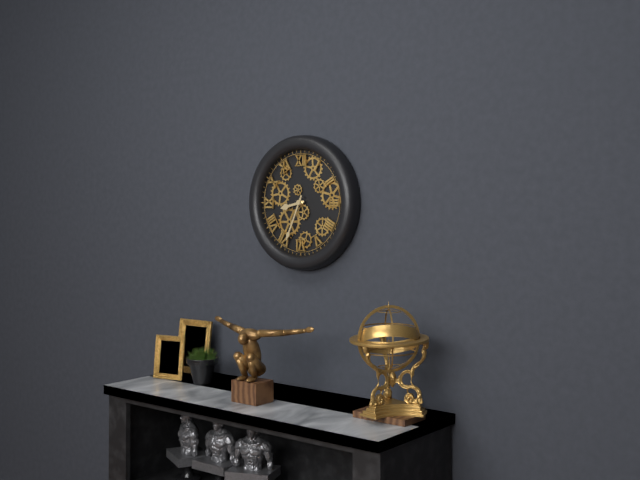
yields 8h34
